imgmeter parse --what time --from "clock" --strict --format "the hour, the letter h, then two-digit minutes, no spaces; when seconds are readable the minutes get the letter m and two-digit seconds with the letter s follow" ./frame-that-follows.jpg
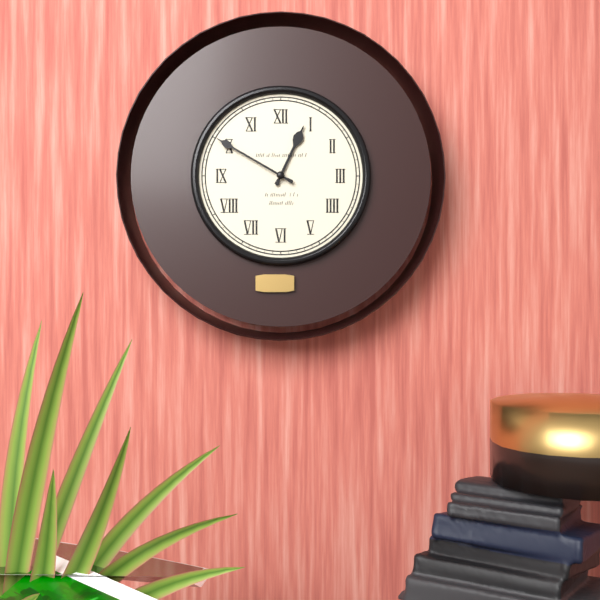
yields 12h50
